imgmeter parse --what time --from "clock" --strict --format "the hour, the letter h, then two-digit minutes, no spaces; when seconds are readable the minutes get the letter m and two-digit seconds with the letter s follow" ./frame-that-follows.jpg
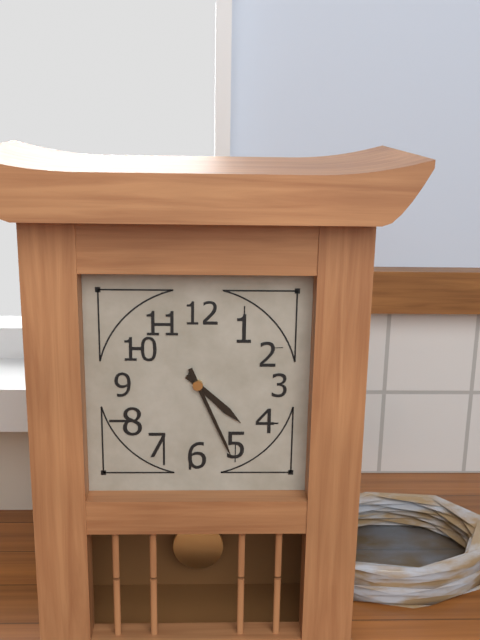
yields 4h26
